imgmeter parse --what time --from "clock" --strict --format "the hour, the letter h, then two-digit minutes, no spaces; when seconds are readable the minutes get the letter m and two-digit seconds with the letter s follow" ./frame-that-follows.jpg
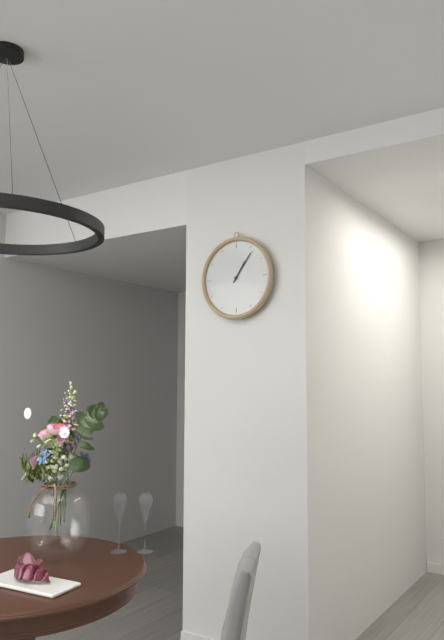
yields 1h06
